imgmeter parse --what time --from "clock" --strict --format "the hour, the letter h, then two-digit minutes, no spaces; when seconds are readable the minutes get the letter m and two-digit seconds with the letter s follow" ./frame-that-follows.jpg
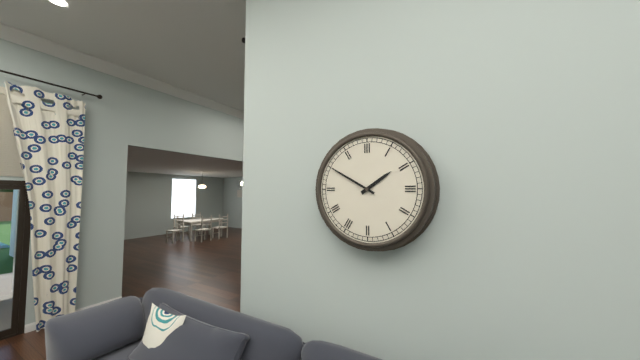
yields 1h50
